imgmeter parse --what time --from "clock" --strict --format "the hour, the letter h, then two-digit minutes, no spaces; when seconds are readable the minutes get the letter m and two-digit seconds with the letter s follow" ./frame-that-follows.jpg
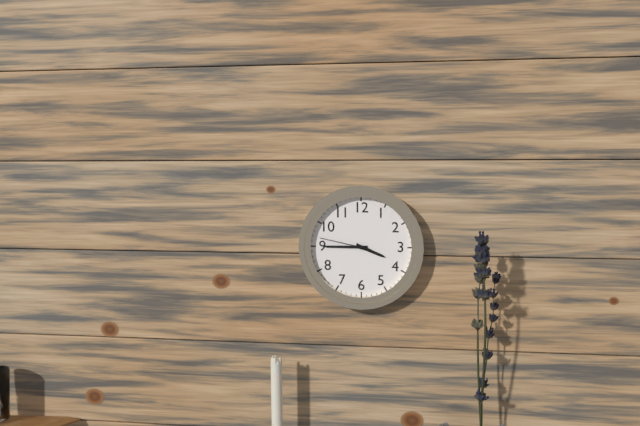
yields 3h45m47s
